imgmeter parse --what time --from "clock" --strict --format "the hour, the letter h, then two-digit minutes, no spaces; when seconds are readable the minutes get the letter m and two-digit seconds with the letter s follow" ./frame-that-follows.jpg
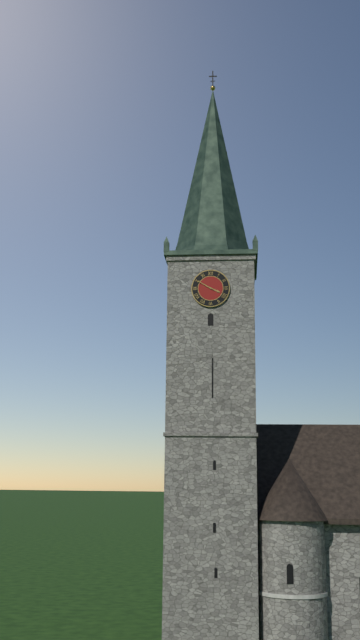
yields 3h50
